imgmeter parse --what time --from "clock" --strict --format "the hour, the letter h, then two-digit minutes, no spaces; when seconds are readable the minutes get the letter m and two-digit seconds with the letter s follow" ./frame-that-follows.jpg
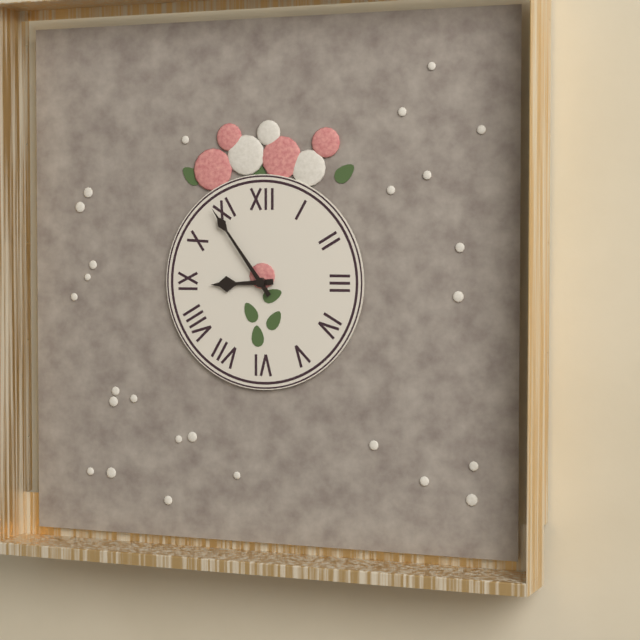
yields 8h54
